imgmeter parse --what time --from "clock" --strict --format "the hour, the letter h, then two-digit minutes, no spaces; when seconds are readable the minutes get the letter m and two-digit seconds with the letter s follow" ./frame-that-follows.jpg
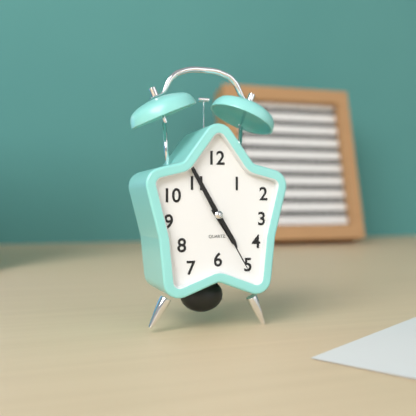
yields 4h55m25s
